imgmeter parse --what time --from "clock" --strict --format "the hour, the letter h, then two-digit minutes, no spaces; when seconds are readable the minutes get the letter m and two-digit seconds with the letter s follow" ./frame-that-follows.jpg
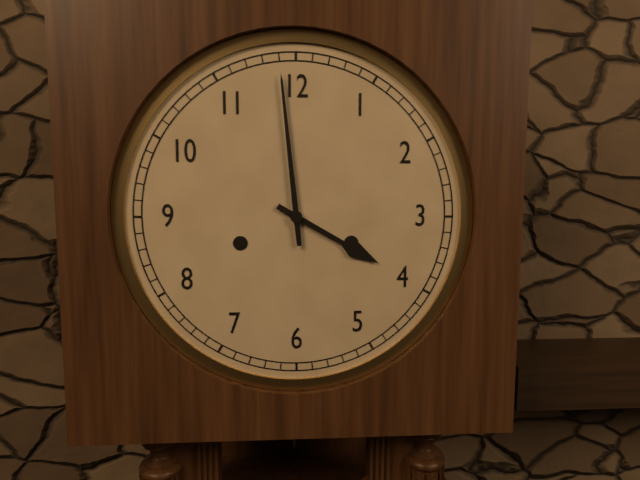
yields 3h59
